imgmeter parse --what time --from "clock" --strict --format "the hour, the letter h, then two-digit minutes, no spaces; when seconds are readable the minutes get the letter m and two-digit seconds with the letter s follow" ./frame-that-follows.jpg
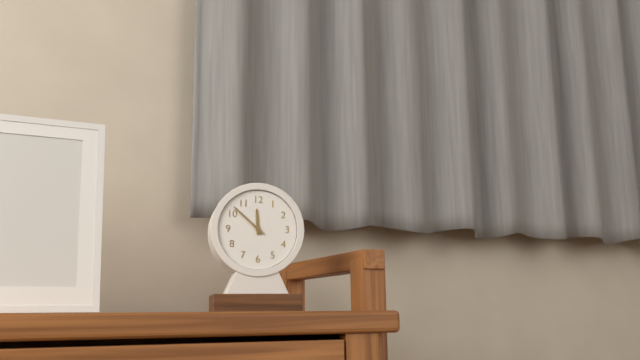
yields 11h52
